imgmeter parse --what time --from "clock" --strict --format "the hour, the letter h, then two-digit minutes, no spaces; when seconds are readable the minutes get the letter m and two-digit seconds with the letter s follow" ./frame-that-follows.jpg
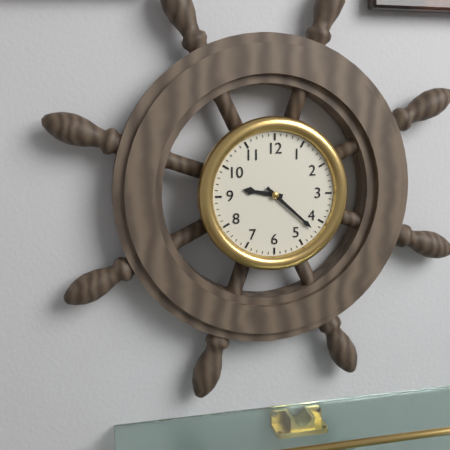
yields 9h22
